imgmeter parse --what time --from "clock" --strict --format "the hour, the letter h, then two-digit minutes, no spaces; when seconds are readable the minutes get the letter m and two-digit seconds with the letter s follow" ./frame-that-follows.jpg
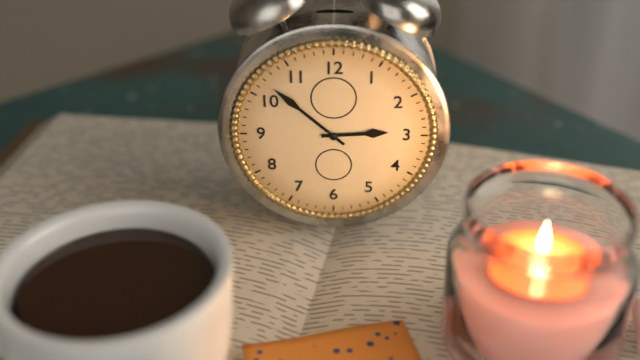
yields 2h52
